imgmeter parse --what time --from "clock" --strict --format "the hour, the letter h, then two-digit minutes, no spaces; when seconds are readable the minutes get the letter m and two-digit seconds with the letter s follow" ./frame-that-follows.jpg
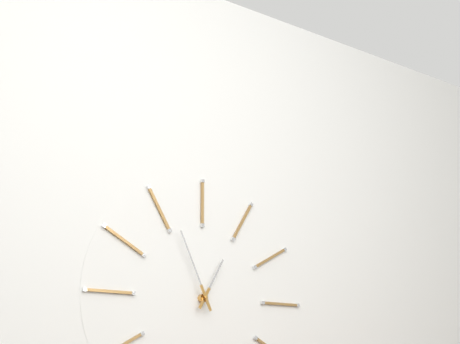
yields 12h56
